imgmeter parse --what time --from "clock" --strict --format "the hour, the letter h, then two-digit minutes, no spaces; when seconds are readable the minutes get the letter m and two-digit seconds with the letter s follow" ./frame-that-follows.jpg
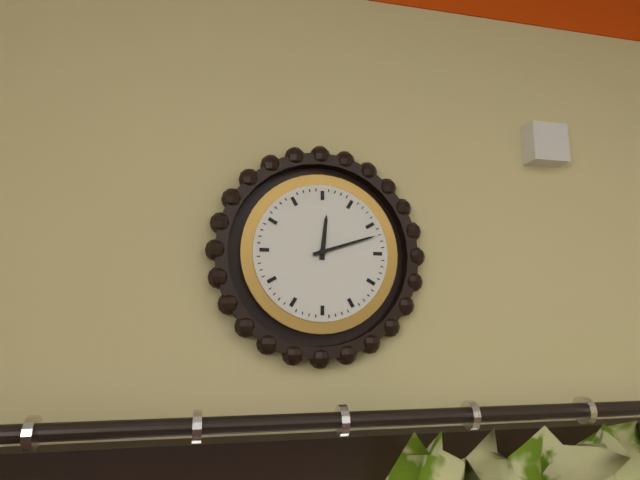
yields 12h12
